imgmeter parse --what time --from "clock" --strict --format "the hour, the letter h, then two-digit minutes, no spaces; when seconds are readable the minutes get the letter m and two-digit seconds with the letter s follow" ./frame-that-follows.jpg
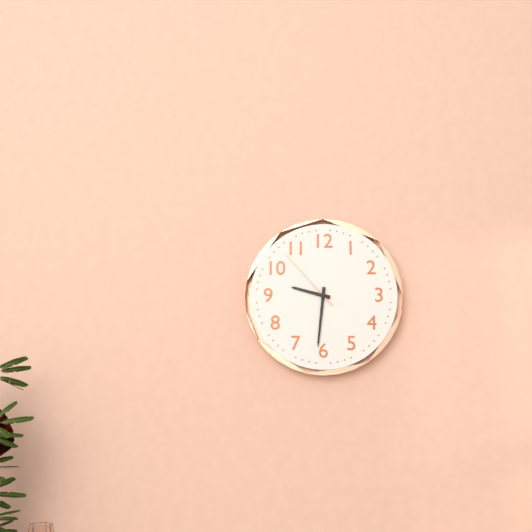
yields 9h31m53s
